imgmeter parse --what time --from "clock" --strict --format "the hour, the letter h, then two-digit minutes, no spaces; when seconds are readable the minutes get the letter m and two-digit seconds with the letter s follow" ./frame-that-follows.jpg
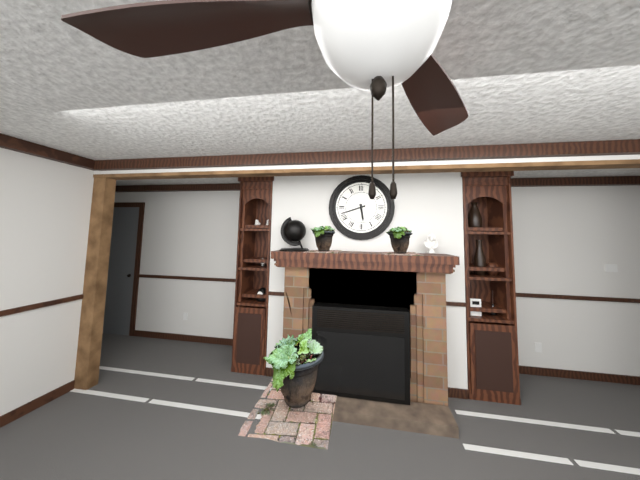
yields 5h42
